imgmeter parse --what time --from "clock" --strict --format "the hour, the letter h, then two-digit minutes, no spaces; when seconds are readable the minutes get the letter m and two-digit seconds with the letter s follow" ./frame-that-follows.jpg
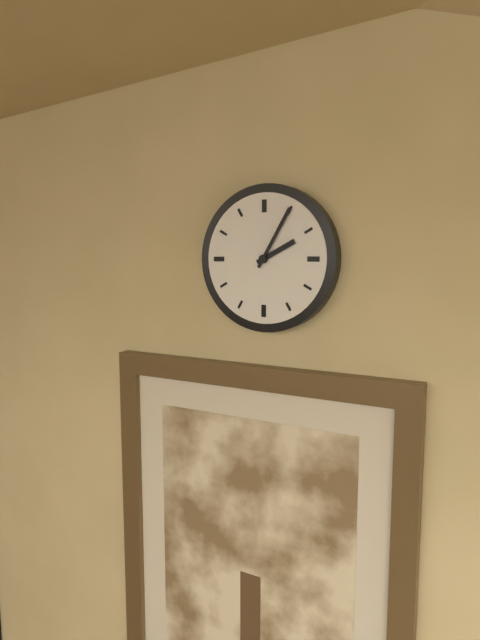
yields 2h05
